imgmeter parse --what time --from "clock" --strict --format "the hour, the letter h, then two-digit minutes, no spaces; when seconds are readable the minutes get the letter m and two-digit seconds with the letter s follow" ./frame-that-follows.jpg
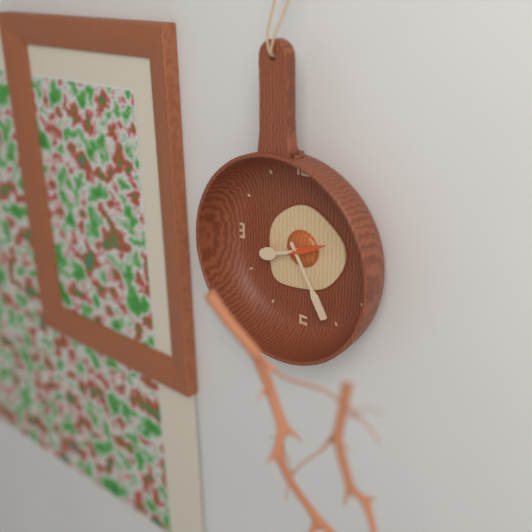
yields 8h25
